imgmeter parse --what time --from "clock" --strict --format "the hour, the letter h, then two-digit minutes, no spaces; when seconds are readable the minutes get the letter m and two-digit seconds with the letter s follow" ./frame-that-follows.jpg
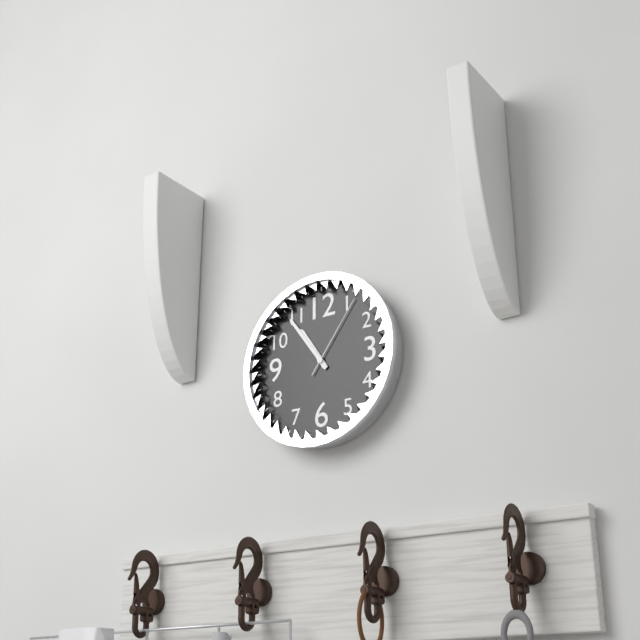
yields 10h54m06s
